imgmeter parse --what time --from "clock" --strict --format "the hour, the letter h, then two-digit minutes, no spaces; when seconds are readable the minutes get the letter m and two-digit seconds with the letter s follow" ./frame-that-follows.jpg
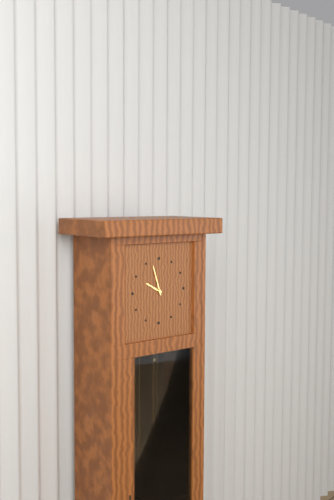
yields 9h57
